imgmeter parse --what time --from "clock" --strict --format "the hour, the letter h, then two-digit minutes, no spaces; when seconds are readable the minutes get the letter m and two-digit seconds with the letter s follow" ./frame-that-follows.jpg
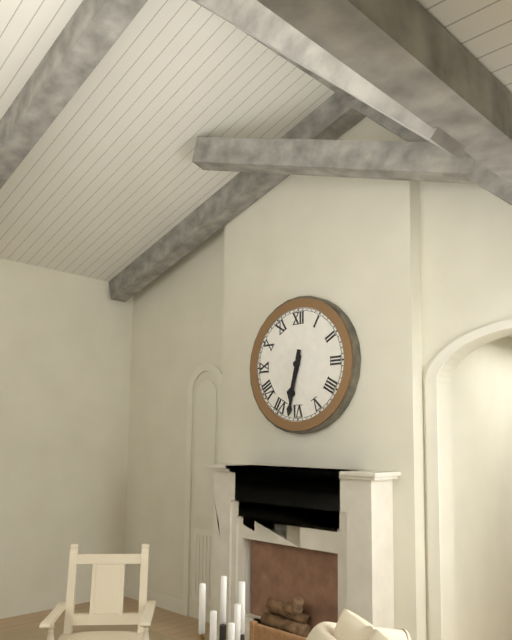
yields 6h32
